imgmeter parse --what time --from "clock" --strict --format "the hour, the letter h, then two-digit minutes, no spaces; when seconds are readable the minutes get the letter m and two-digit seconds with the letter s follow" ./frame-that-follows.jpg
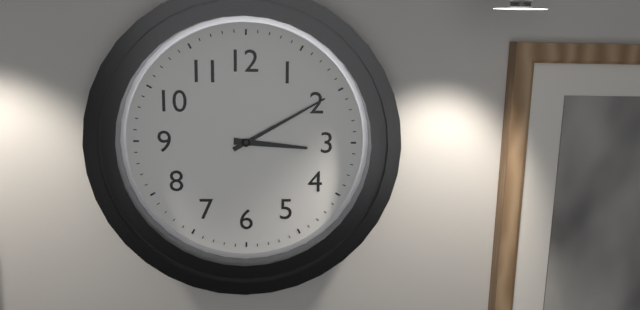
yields 3h10
